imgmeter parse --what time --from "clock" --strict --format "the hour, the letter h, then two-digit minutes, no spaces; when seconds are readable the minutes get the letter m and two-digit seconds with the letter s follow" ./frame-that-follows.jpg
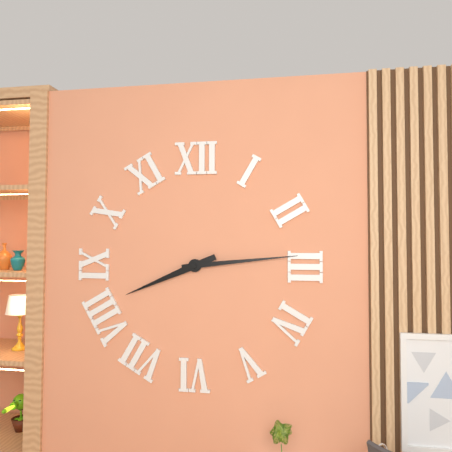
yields 8h14
